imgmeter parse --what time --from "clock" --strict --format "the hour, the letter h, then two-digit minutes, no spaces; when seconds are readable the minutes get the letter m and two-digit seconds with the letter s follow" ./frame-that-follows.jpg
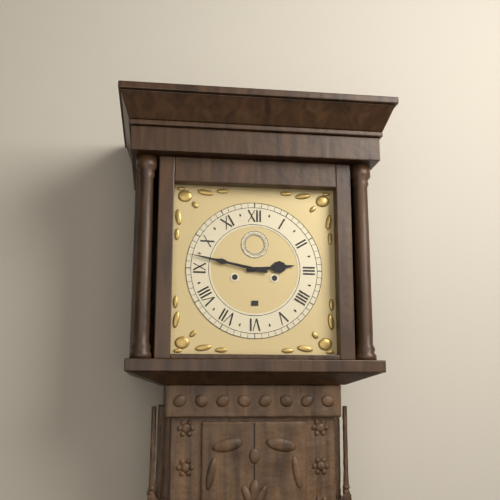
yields 2h47
